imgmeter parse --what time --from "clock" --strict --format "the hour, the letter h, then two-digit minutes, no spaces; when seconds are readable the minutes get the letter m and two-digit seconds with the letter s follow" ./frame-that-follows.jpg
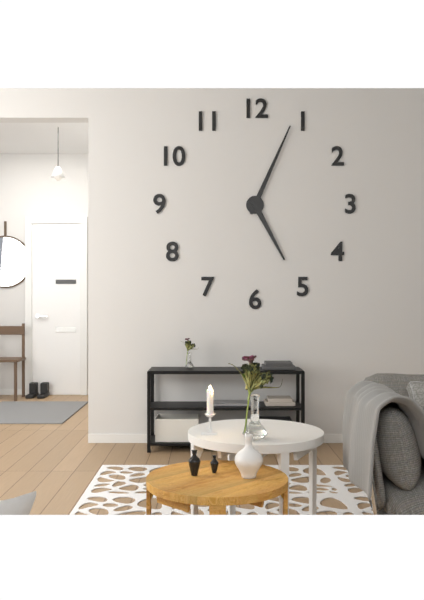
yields 5h04
